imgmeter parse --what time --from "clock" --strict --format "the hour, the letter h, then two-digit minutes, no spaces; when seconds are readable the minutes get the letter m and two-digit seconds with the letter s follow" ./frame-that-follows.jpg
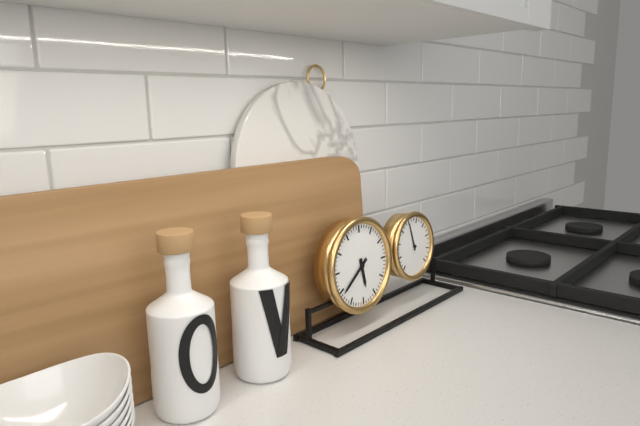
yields 5h39
